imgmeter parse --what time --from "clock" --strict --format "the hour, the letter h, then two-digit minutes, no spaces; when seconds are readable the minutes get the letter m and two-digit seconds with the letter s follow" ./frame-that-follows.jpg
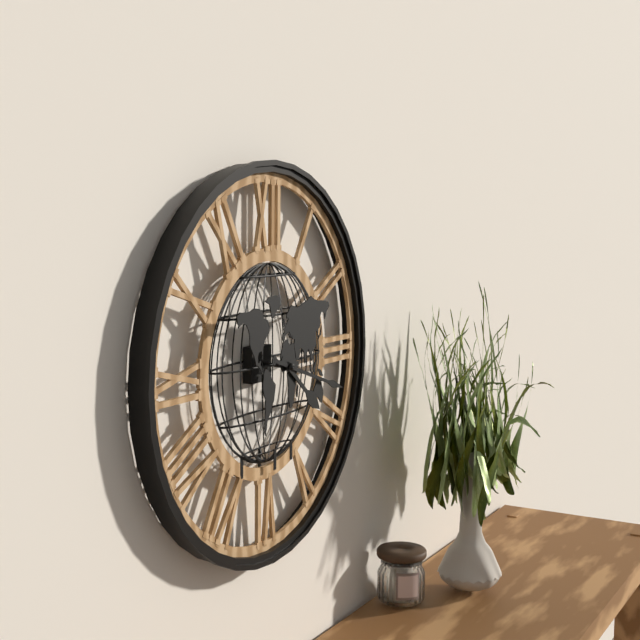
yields 4h18
